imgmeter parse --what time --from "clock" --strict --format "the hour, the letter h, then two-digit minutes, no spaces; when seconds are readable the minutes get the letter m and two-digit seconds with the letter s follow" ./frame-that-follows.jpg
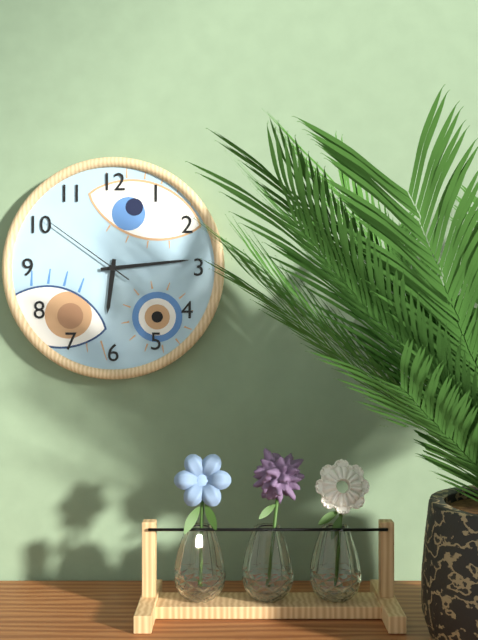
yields 6h14m51s
